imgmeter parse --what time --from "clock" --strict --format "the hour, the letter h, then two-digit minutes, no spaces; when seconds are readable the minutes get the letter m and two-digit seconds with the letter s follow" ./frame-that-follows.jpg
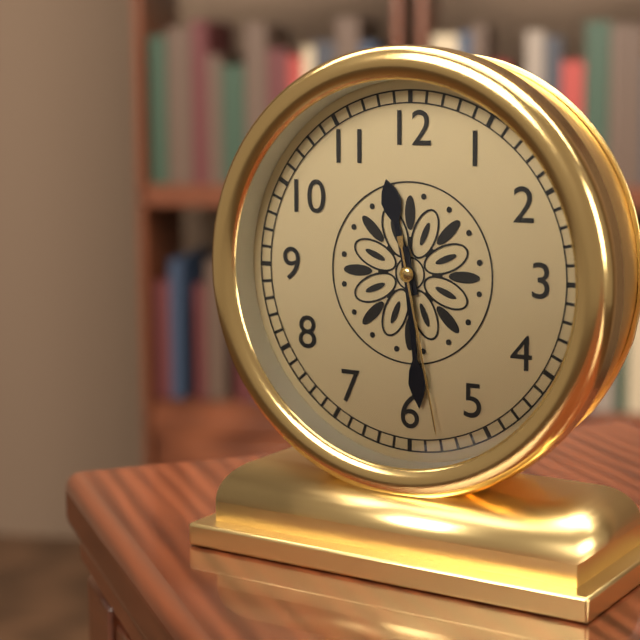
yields 11h29m28s
